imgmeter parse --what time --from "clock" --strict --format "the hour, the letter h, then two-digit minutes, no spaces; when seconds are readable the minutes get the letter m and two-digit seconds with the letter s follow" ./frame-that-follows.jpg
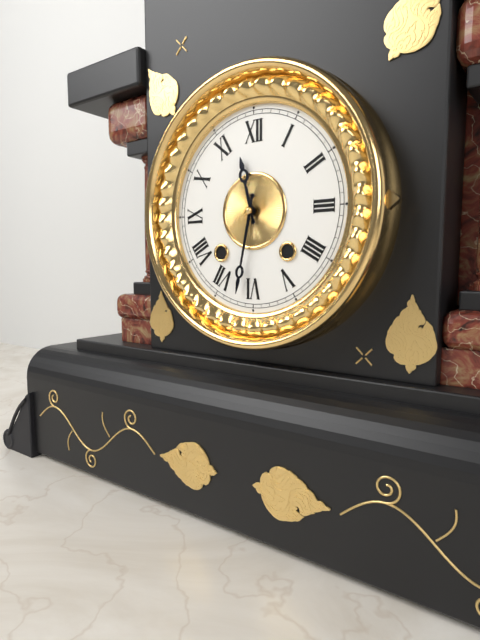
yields 11h32
